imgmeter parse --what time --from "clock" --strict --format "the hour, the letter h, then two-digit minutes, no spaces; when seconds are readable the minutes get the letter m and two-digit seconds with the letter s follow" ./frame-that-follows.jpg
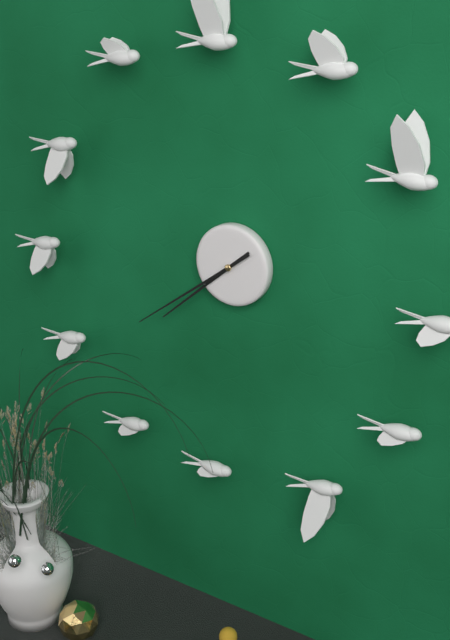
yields 7h39
